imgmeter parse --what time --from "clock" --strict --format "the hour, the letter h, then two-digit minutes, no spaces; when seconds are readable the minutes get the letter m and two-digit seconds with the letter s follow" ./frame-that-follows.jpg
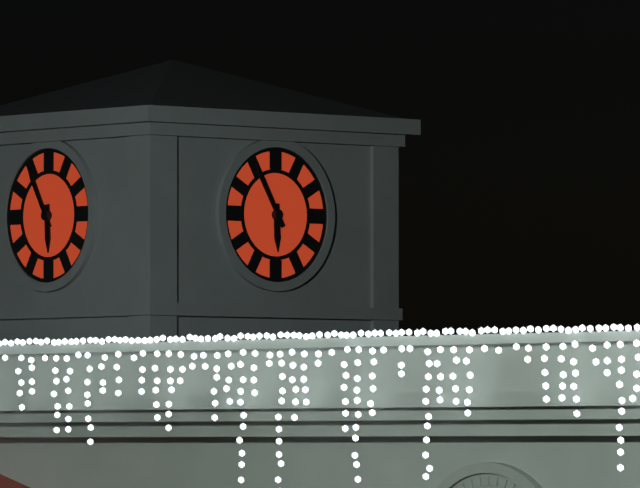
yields 5h55
